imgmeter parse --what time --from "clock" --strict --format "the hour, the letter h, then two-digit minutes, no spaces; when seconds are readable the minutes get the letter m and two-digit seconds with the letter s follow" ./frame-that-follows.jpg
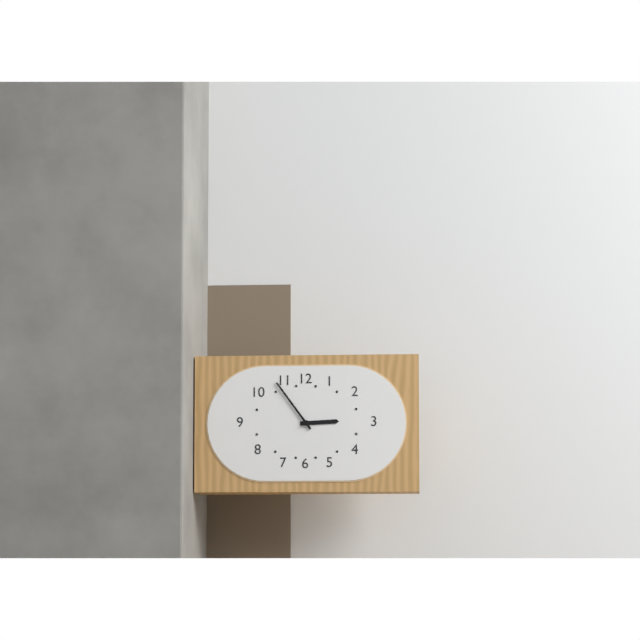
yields 2h54
